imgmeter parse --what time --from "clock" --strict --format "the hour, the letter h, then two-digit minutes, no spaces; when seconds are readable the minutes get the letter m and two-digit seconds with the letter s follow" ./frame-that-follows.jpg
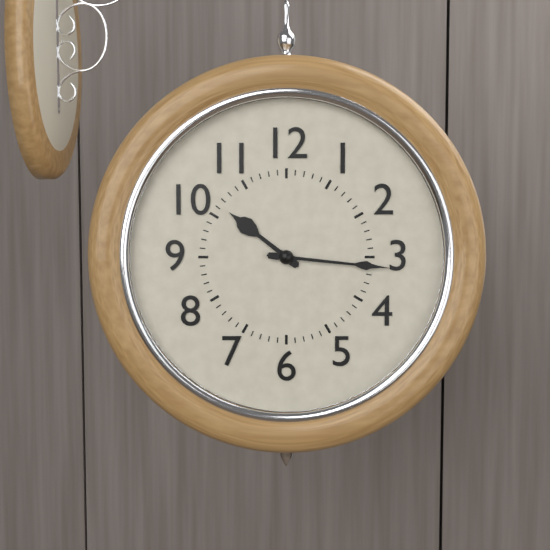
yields 10h16
